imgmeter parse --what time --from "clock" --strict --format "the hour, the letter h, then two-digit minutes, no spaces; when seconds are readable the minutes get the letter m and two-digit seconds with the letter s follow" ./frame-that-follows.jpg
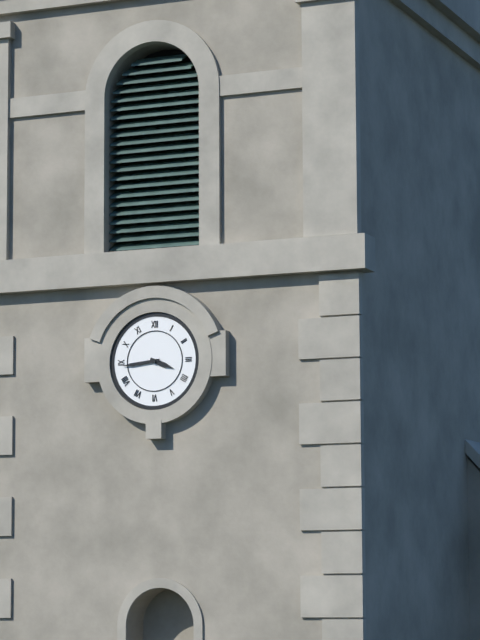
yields 3h44
